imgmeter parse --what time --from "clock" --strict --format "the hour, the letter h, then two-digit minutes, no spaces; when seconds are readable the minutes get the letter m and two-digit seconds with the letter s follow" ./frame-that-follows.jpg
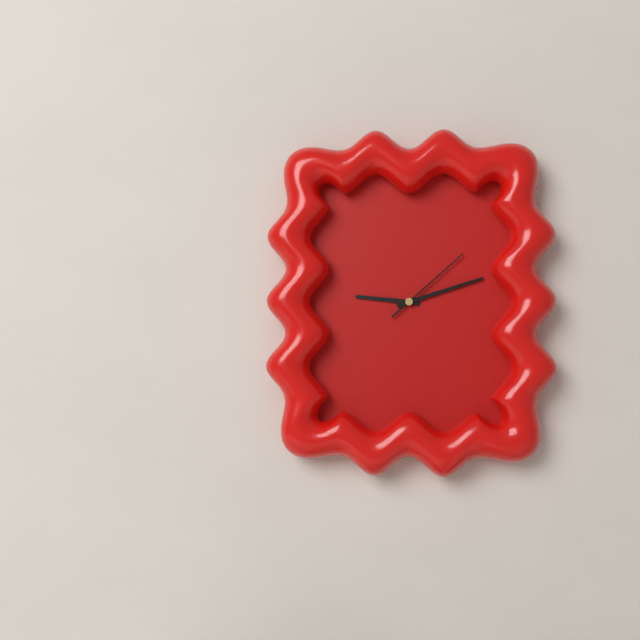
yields 9h12m08s
